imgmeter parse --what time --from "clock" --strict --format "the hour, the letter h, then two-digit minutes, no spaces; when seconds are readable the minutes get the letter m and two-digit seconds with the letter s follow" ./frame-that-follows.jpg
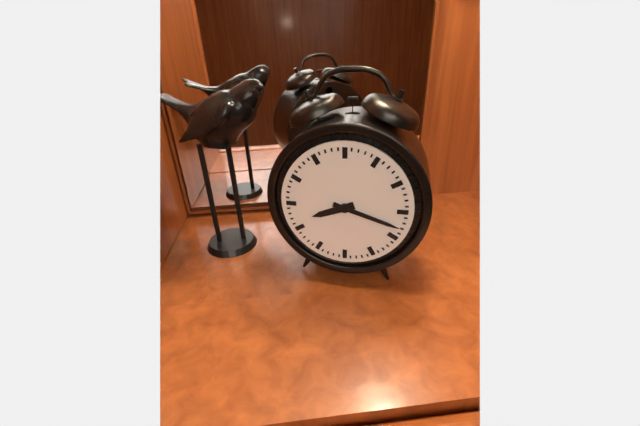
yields 8h18
